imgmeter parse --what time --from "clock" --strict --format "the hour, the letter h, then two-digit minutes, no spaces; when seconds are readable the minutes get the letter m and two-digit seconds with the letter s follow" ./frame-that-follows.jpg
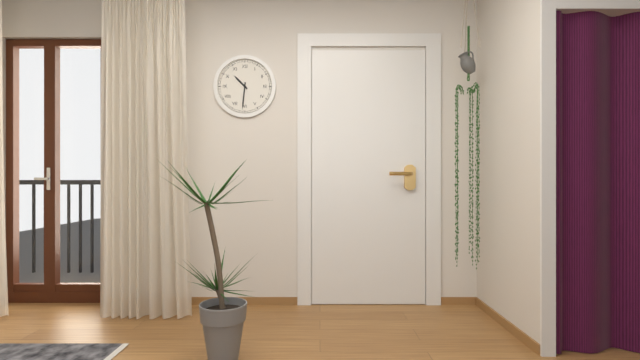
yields 10h31
